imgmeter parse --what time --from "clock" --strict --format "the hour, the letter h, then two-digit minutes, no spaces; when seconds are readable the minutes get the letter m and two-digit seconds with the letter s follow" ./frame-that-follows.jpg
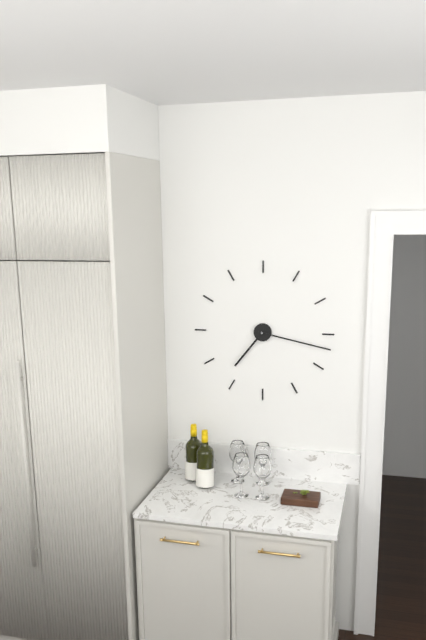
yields 7h17
